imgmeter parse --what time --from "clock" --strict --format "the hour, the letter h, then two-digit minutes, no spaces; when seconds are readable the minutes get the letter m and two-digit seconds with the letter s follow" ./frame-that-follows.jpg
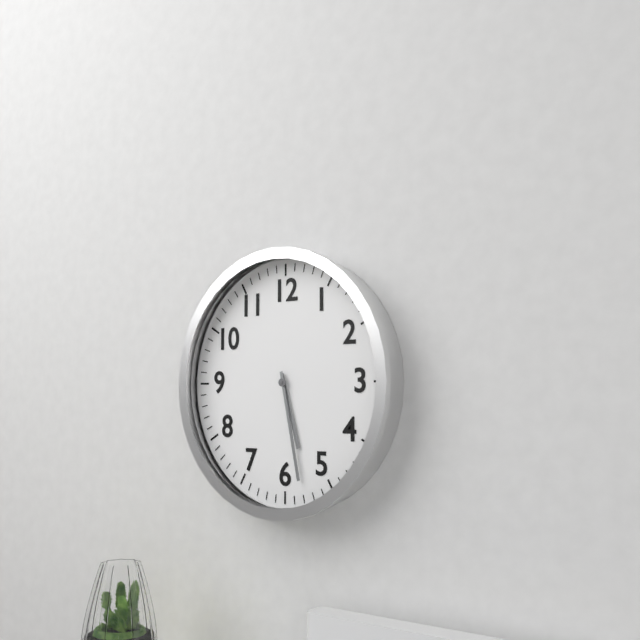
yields 5h28
